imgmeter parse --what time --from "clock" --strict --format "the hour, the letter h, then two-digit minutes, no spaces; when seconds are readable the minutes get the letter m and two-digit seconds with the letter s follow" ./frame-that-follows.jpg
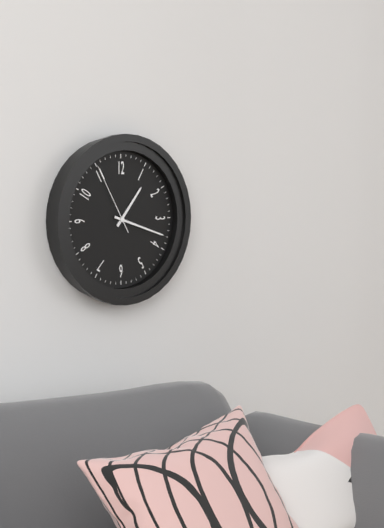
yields 1h18m55s
